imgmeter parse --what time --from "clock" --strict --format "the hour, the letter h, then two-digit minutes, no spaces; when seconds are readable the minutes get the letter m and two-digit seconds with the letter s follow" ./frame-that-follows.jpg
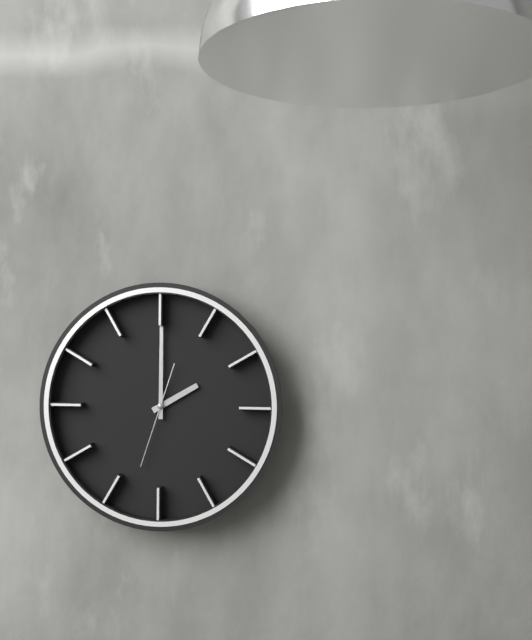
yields 2h00m33s
